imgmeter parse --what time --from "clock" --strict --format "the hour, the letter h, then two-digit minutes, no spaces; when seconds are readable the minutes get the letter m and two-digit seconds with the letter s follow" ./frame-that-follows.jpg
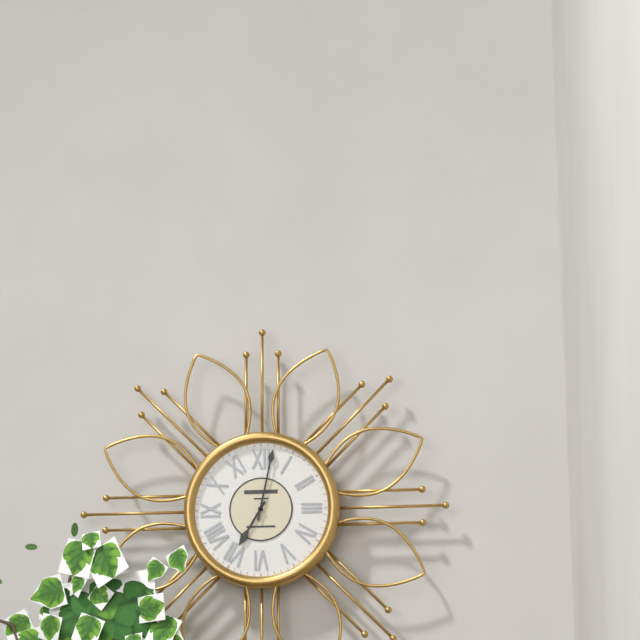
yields 7h02
